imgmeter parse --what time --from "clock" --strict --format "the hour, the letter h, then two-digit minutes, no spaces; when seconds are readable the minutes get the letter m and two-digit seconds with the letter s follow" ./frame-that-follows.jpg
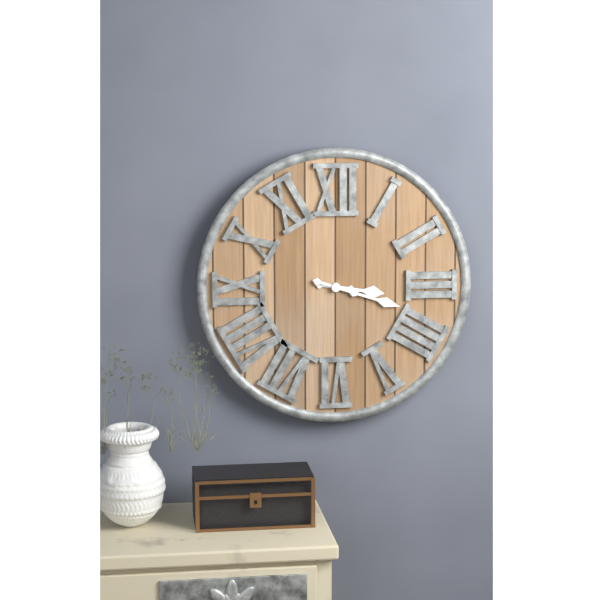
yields 3h18
